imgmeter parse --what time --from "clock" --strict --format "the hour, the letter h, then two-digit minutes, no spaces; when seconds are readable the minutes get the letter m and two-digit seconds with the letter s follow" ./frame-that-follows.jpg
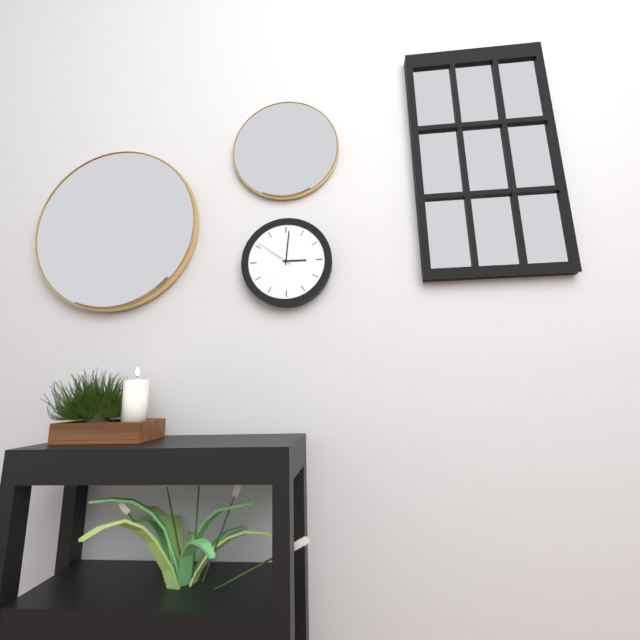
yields 3h01
